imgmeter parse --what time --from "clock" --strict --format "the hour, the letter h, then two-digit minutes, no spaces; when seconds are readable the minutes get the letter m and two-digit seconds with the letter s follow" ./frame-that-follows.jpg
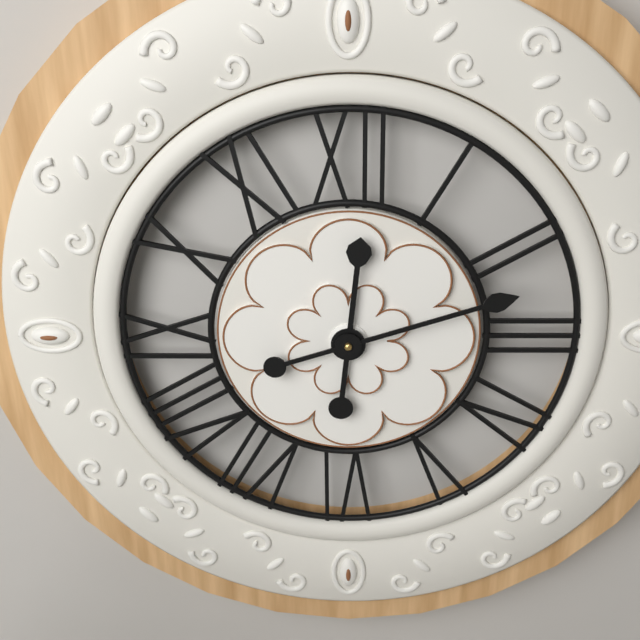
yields 12h12
